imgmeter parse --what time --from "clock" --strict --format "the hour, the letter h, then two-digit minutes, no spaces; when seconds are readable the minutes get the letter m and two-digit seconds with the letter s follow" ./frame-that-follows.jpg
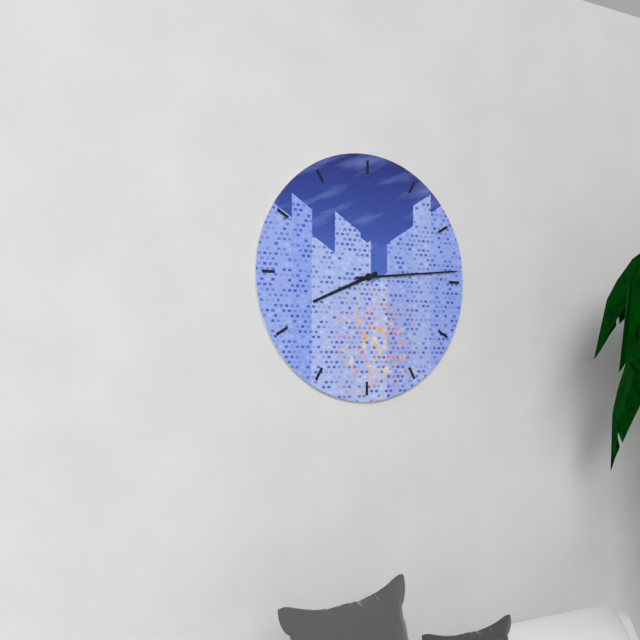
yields 8h14
